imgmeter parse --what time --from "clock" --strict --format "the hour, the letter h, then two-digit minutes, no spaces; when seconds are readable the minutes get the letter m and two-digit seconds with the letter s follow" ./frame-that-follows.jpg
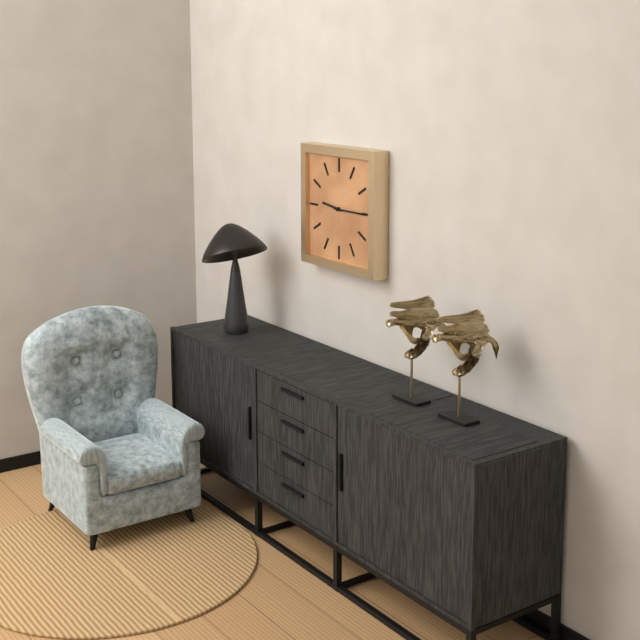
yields 9h15
